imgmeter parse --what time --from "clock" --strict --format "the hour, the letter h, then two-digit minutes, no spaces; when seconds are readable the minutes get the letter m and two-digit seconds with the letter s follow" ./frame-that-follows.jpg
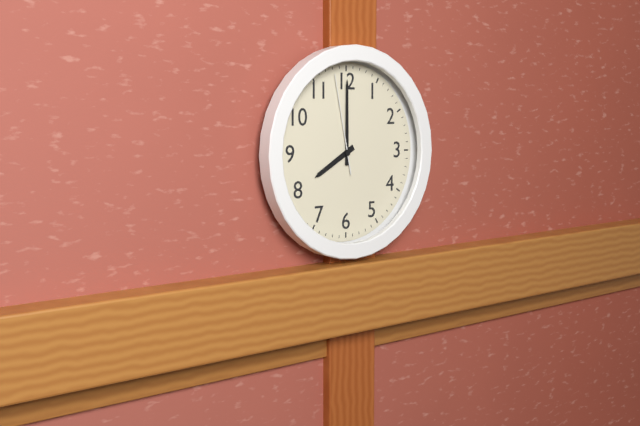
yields 8h00m58s
